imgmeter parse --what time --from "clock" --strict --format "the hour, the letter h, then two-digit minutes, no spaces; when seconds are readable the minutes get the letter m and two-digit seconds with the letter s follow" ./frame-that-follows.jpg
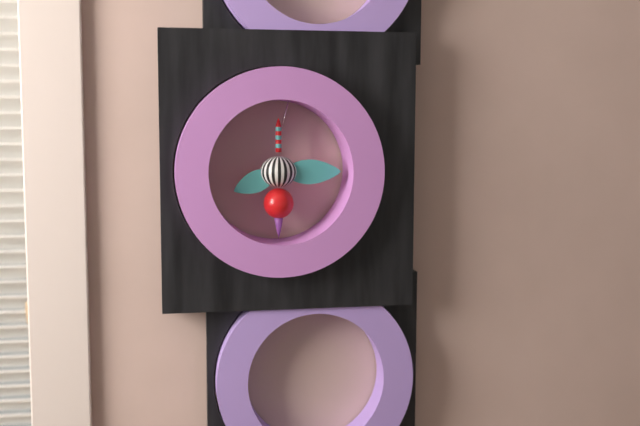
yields 8h15
